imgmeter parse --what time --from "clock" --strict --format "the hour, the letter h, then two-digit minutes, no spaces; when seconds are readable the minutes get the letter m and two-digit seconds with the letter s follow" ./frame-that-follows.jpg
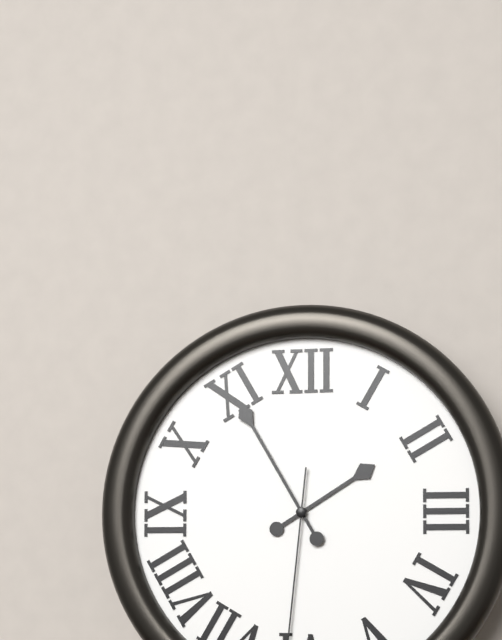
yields 1h55
